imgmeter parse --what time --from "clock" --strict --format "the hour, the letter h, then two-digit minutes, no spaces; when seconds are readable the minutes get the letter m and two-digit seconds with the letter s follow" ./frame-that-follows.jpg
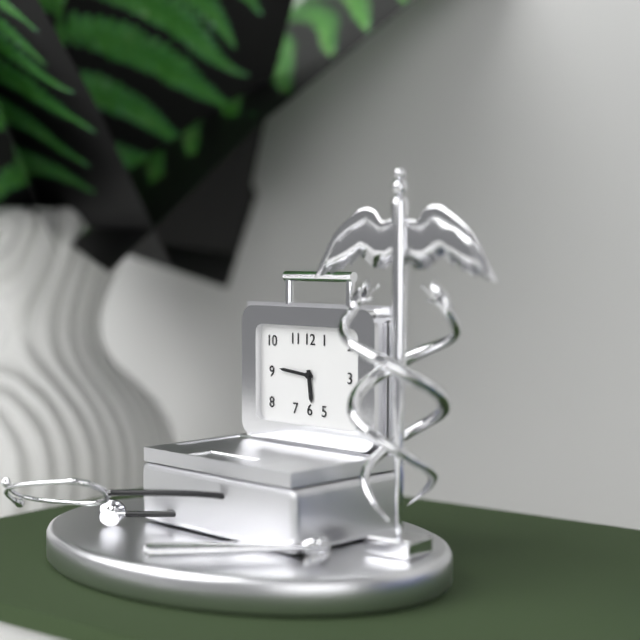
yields 5h46
